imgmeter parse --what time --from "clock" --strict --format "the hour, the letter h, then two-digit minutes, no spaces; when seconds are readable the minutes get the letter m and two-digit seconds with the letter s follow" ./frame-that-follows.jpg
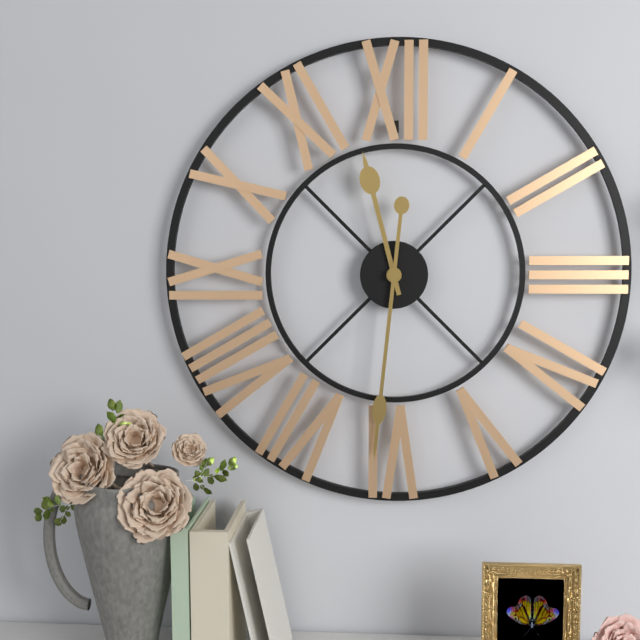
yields 11h31
